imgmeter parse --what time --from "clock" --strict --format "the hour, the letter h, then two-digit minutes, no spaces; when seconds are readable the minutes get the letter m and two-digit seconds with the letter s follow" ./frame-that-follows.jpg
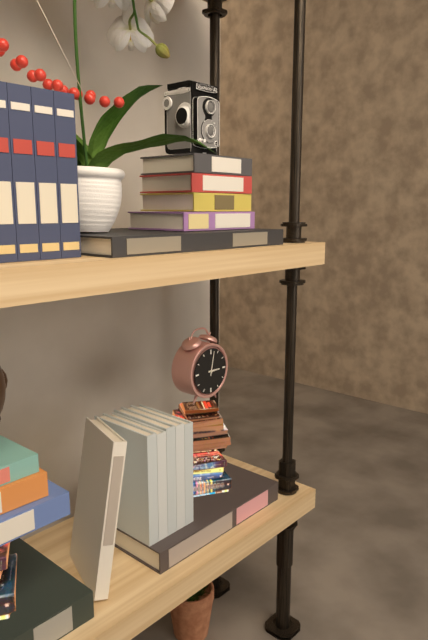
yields 3h02
